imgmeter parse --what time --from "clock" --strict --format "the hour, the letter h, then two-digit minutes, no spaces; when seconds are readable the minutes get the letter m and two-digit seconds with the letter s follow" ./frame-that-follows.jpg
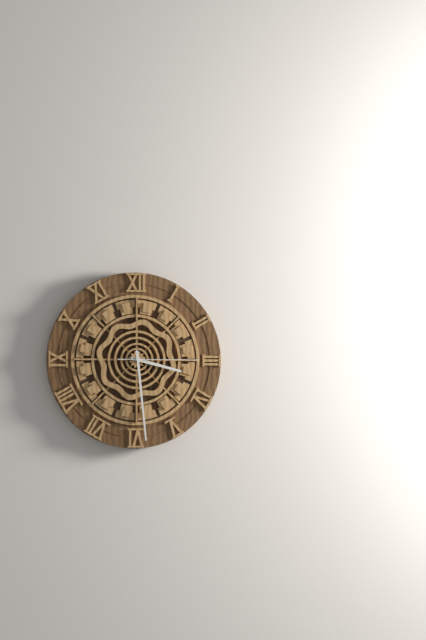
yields 3h29m15s
